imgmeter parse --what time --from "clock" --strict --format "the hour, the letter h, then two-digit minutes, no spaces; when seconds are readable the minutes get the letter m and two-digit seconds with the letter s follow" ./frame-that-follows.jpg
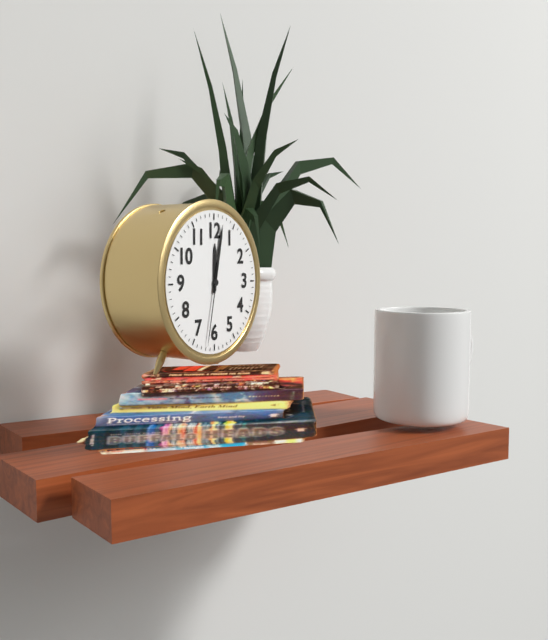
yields 12h02m32s
